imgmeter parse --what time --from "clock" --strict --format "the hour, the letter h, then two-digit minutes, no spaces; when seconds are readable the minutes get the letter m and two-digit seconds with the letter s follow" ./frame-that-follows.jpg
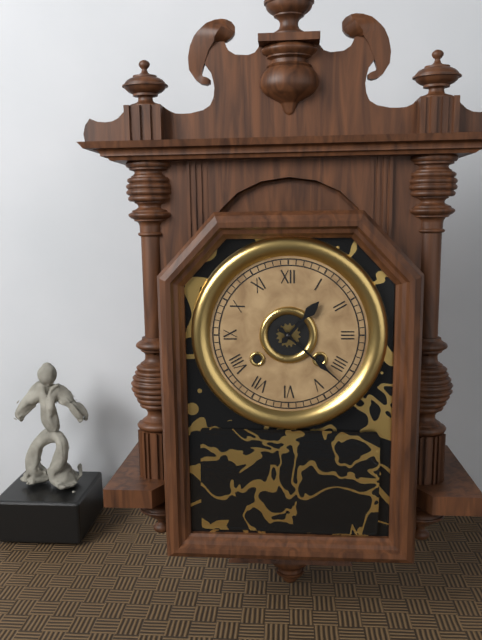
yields 1h22
